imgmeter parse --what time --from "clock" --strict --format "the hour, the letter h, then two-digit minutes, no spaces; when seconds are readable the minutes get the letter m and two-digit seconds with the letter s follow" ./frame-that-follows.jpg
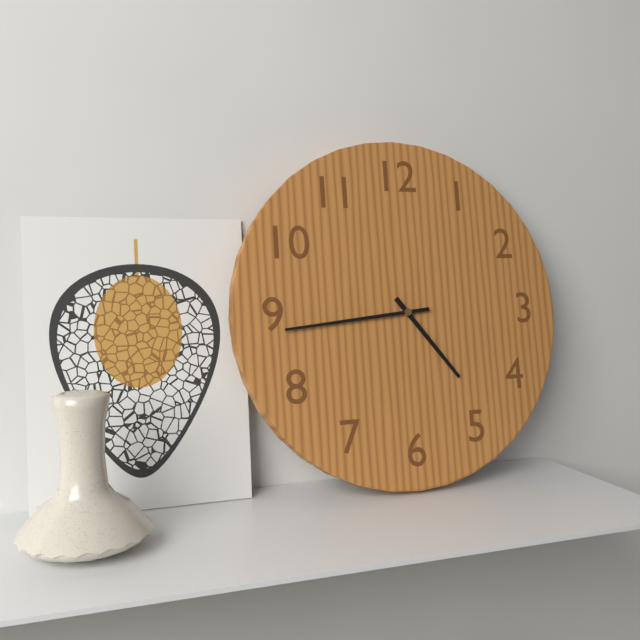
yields 4h44
